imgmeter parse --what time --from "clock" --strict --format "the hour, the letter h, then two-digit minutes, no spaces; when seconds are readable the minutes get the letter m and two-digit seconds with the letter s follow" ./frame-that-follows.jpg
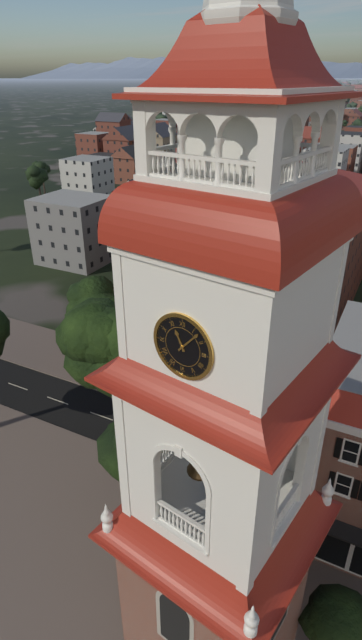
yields 11h07
